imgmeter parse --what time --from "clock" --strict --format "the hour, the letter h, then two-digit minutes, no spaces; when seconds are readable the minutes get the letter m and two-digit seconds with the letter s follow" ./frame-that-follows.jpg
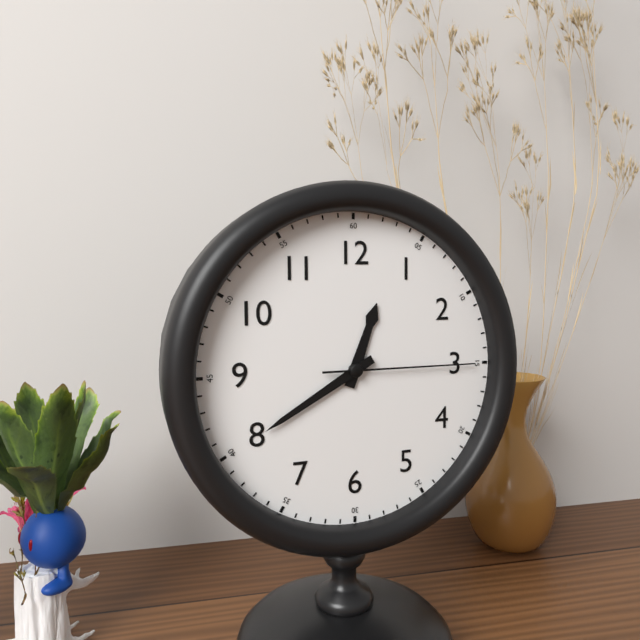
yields 12h40m15s
